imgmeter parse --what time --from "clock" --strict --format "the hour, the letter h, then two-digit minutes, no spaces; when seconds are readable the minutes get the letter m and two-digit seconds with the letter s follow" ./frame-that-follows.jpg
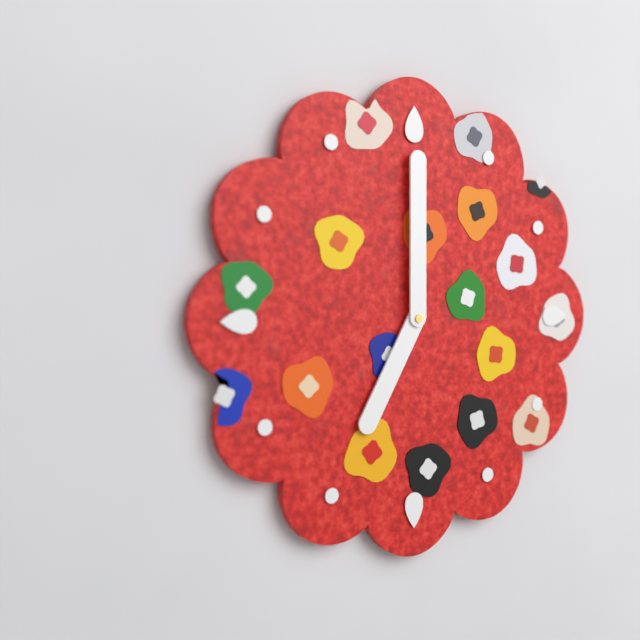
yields 7h00
